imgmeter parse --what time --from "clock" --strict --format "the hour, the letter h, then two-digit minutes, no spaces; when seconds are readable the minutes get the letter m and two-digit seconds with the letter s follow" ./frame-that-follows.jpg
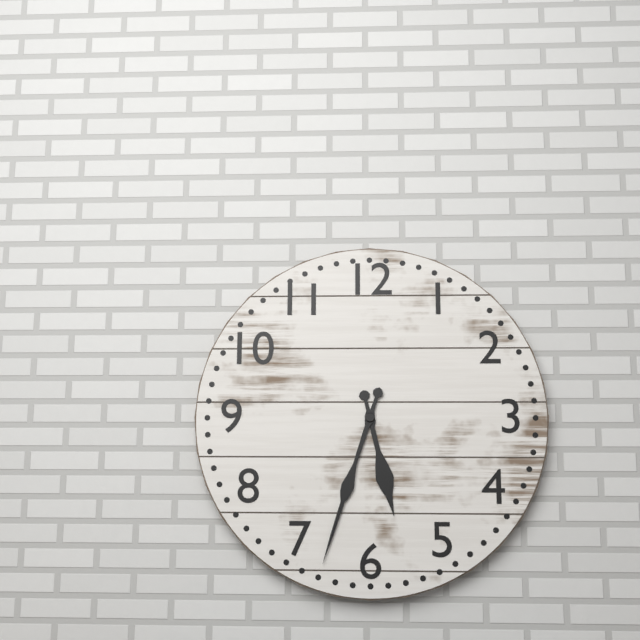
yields 5h33
